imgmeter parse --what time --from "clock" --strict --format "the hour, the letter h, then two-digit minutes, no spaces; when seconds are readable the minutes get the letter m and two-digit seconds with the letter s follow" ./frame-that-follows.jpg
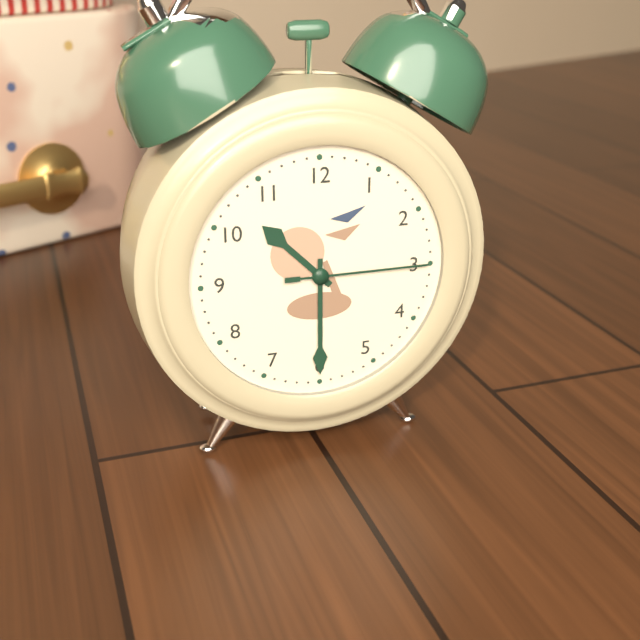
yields 10h30m15s
